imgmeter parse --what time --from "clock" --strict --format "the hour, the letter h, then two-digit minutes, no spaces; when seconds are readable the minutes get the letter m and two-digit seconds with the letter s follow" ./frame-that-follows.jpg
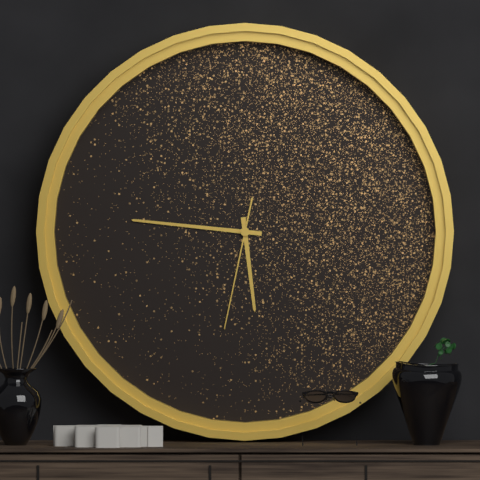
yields 5h46m32s
